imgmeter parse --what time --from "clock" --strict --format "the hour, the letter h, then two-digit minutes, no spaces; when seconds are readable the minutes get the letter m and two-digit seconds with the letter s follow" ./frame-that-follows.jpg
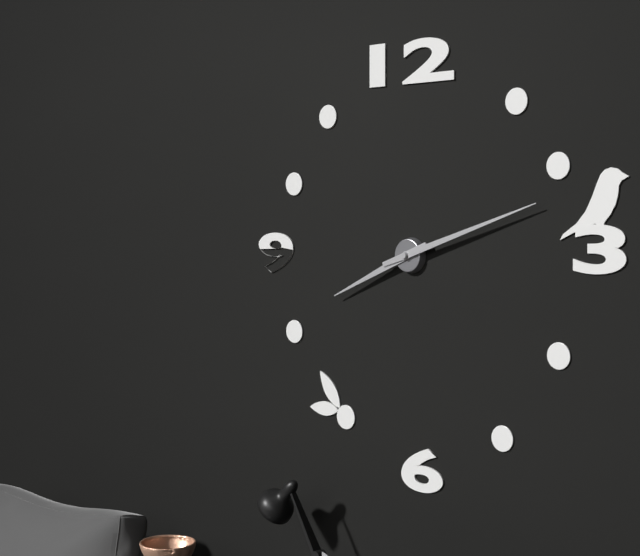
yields 8h12
